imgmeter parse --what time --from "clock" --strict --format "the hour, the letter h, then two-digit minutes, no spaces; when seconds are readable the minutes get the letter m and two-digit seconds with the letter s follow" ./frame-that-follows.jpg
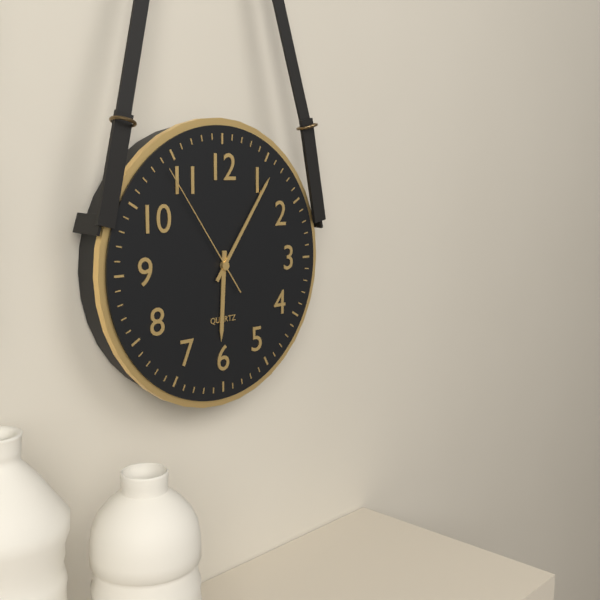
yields 6h06m54s
